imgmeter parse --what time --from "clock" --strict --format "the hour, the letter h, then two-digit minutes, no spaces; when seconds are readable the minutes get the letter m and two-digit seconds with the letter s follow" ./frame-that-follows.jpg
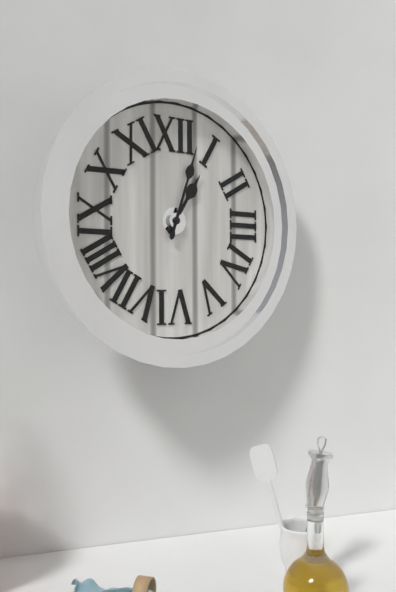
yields 1h03
